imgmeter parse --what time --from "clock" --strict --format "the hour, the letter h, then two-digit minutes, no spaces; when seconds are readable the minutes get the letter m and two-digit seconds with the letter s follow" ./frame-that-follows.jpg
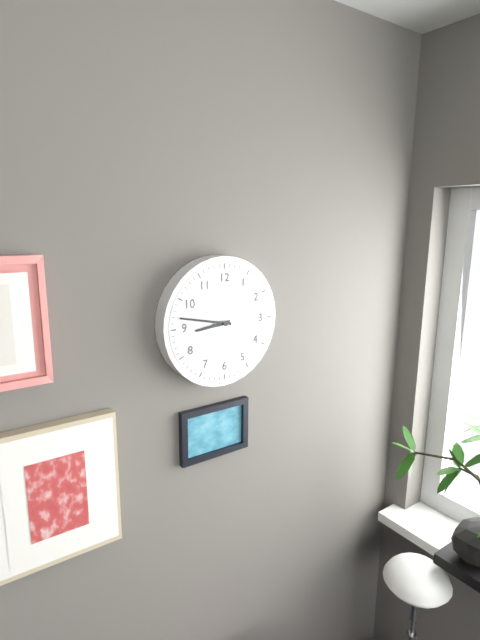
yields 8h47
